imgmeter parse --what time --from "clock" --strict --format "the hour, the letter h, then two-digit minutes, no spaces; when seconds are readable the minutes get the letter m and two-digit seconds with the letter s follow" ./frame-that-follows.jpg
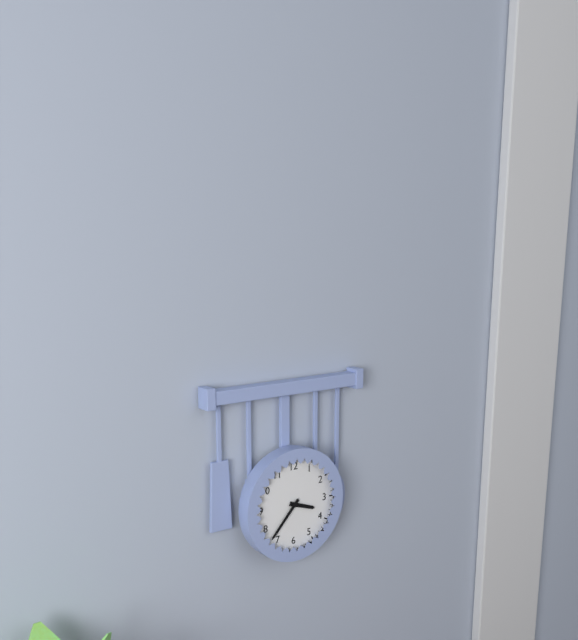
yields 3h37
